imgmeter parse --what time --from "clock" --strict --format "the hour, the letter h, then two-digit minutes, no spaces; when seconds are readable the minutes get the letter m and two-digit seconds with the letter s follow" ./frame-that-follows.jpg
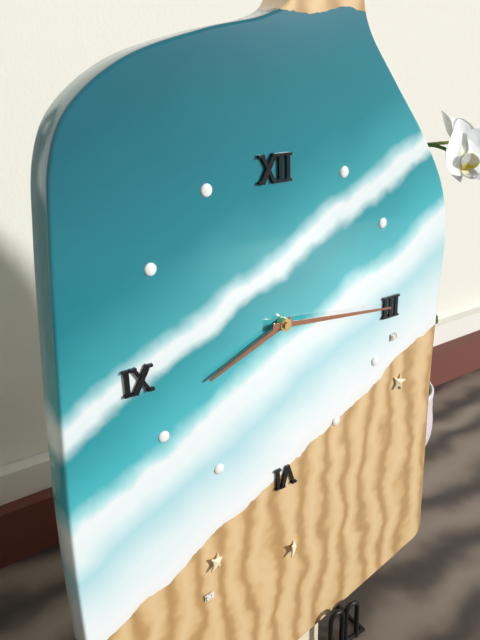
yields 8h16
